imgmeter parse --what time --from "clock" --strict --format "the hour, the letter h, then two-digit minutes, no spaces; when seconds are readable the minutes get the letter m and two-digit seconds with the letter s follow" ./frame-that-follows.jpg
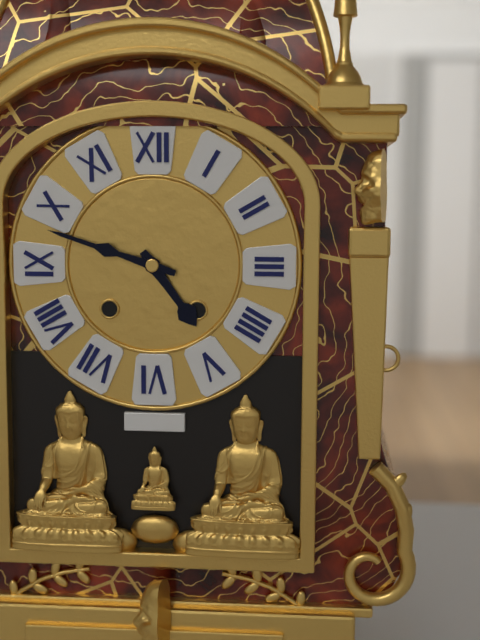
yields 4h48
